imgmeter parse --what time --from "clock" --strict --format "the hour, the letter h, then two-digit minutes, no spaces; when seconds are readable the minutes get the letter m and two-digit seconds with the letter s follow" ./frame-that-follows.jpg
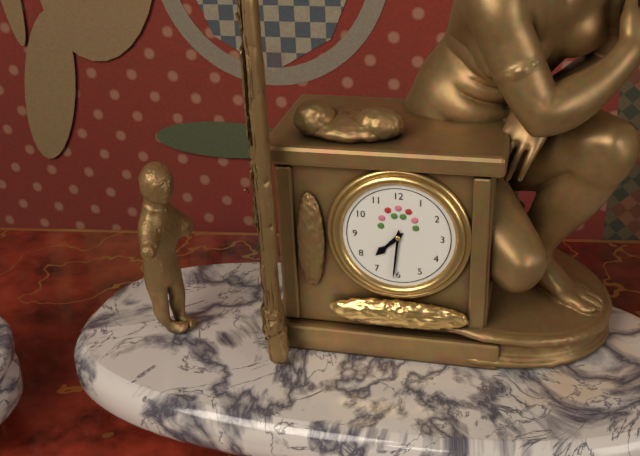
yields 7h31
